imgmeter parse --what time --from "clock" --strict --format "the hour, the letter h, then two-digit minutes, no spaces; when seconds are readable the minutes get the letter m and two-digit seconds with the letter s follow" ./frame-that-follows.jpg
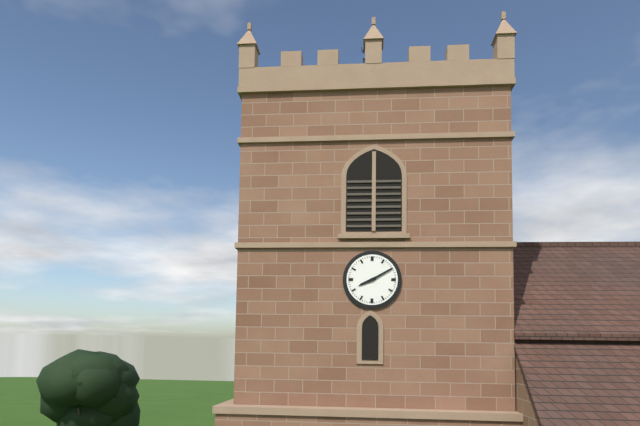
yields 8h10
